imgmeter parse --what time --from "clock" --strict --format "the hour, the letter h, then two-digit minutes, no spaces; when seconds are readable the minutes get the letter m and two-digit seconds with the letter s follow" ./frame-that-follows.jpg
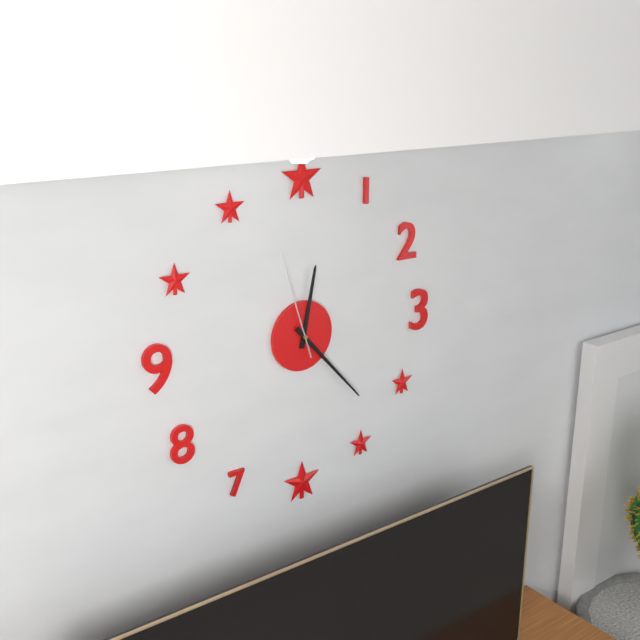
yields 12h23m57s
